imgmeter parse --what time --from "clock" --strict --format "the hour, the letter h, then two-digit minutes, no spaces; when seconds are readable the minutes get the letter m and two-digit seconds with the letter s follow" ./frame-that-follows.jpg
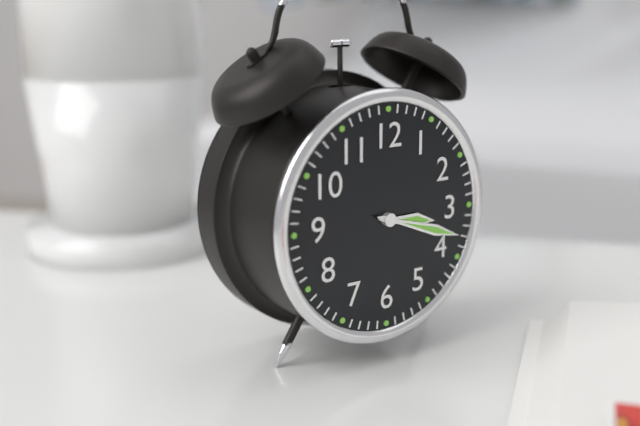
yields 3h18
